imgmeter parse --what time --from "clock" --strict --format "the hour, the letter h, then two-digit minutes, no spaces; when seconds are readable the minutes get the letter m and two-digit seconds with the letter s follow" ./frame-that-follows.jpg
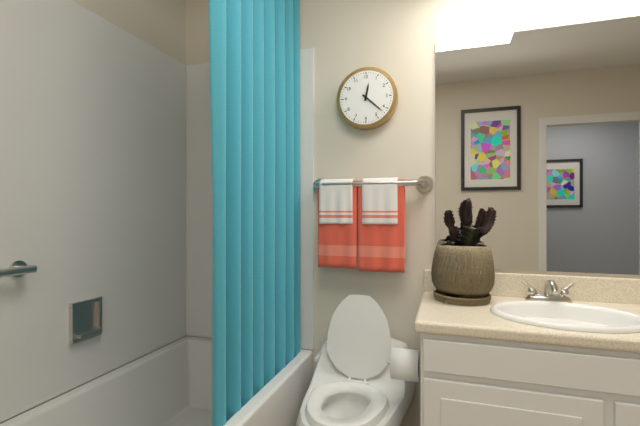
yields 12h22
